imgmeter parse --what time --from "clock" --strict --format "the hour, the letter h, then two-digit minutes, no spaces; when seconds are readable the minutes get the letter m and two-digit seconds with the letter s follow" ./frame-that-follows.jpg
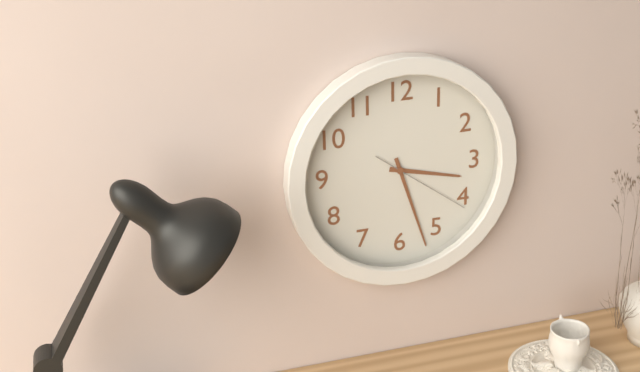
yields 3h27m21s
